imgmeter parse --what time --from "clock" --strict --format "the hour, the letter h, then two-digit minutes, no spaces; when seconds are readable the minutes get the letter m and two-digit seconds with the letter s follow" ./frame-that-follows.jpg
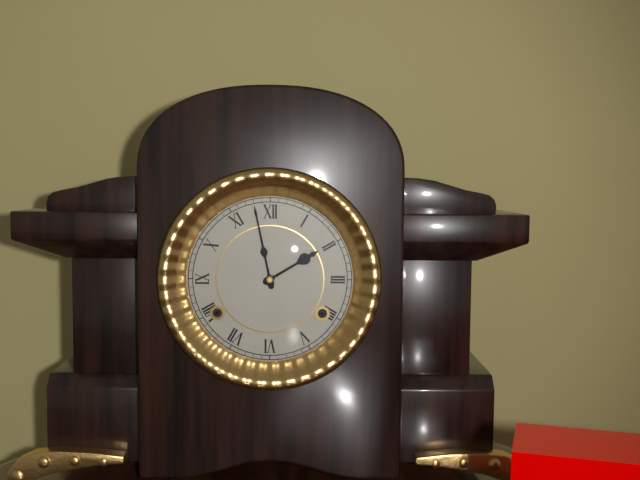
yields 1h58
